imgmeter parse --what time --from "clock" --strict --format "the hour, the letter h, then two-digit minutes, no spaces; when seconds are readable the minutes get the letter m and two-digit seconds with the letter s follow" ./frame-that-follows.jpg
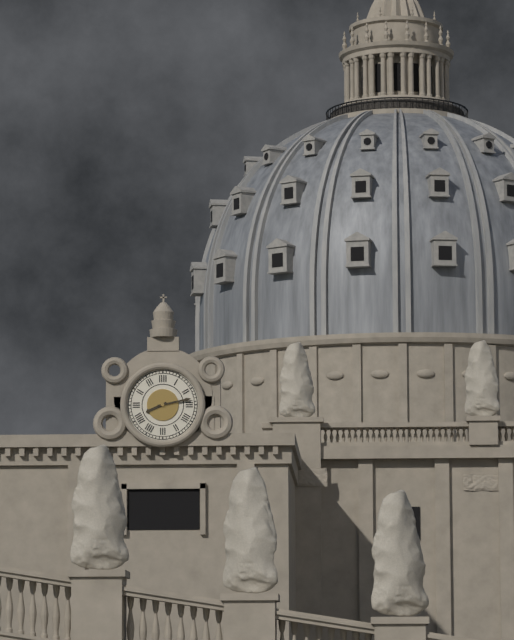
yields 8h13
